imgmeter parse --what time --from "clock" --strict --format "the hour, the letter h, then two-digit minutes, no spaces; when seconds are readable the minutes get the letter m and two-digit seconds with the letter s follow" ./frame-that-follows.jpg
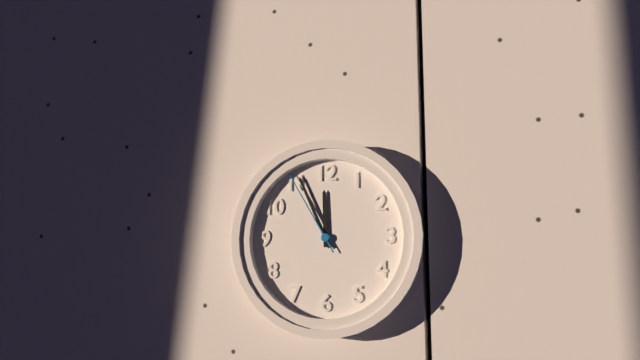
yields 11h56m55s
